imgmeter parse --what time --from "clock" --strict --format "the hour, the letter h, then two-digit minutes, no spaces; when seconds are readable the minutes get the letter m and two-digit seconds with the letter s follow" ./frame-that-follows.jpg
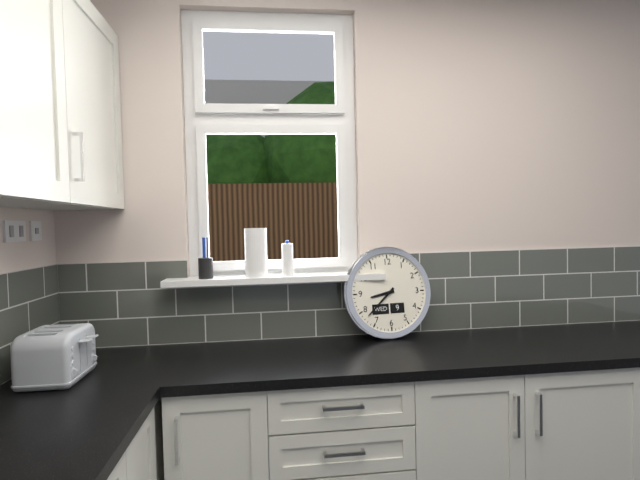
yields 8h38
